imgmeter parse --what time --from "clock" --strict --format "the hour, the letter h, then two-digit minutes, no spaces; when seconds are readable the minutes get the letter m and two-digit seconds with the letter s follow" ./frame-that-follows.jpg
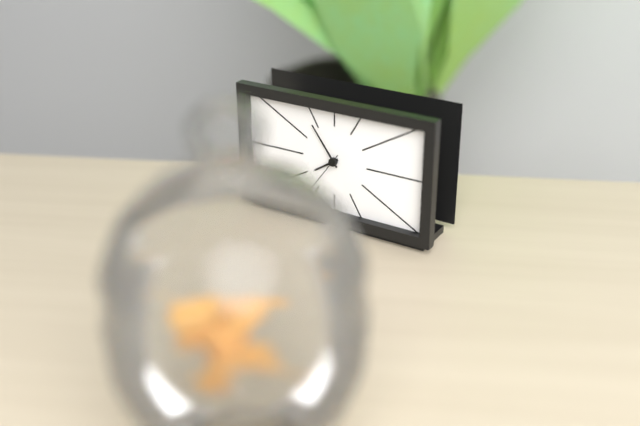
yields 7h54
